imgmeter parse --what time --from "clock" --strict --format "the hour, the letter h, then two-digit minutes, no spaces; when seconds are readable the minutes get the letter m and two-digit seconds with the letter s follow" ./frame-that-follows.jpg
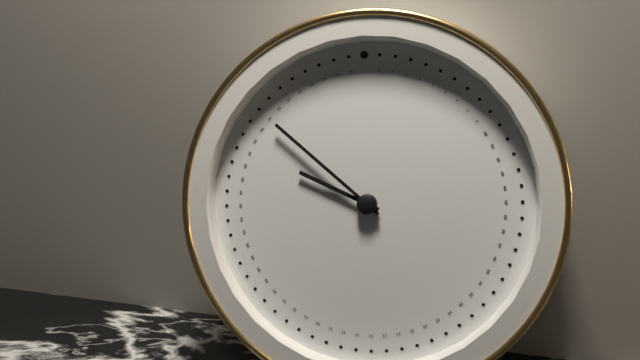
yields 9h52
